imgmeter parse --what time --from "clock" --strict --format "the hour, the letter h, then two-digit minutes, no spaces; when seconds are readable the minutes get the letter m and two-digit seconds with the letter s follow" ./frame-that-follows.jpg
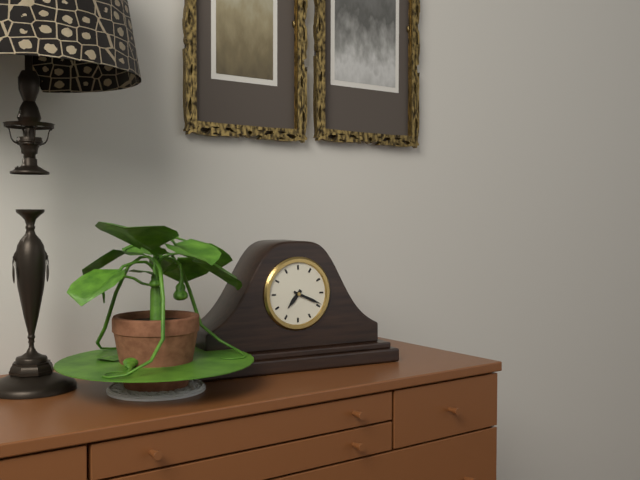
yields 7h19
